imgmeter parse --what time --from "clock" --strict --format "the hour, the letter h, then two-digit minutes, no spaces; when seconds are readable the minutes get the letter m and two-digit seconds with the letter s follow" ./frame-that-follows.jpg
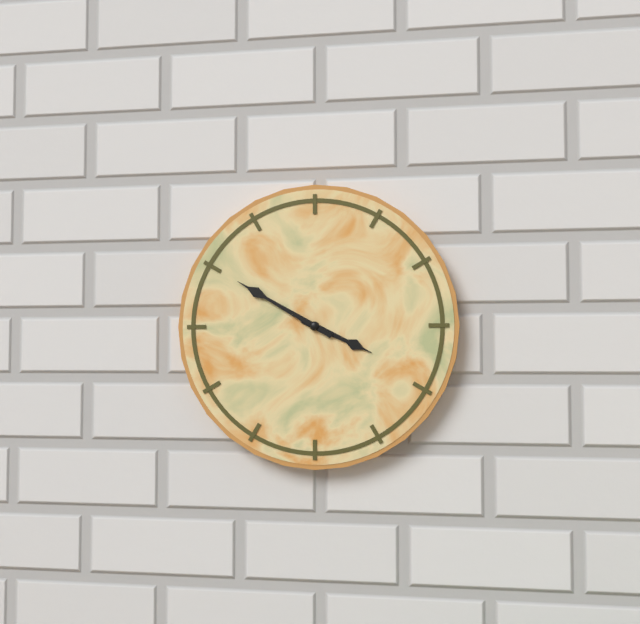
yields 3h50
